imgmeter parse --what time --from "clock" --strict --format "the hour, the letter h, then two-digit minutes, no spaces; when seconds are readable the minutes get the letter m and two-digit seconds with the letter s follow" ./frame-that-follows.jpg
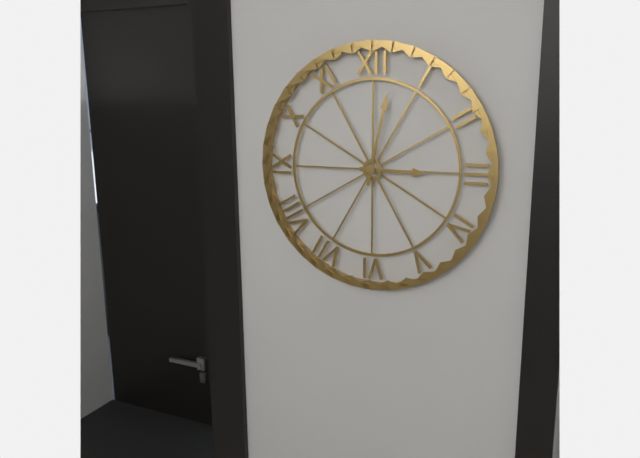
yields 3h02
